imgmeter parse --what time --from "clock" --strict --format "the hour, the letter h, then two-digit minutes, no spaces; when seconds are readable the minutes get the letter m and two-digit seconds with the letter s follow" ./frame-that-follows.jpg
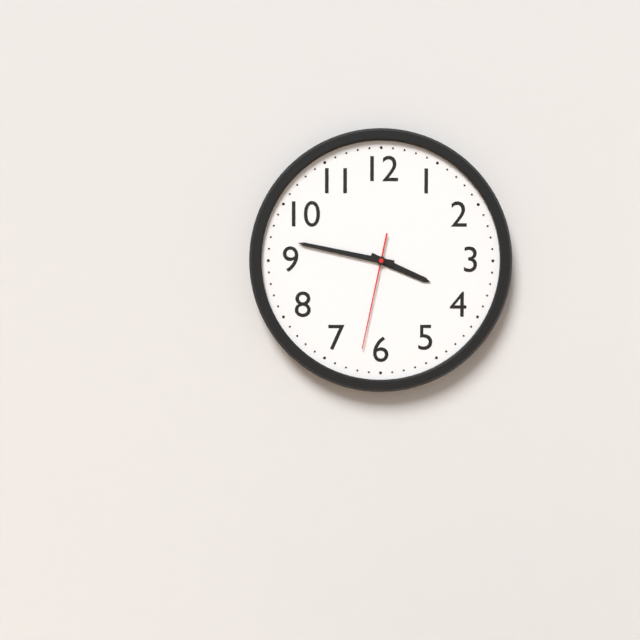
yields 3h47m32s
